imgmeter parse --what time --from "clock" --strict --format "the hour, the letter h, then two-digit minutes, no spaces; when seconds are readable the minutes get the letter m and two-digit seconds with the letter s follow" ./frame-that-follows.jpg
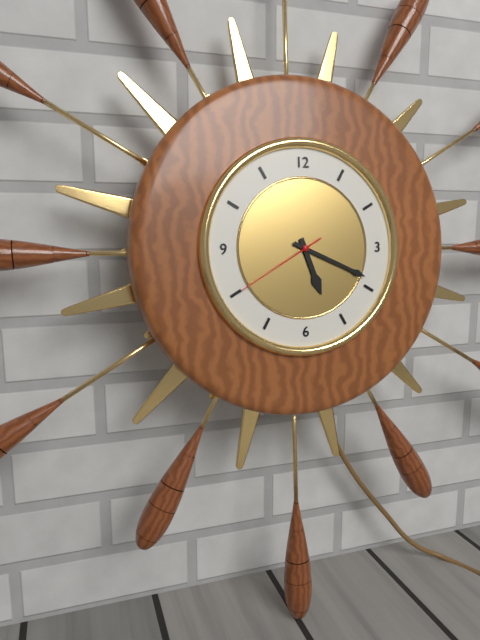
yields 5h19m40s
